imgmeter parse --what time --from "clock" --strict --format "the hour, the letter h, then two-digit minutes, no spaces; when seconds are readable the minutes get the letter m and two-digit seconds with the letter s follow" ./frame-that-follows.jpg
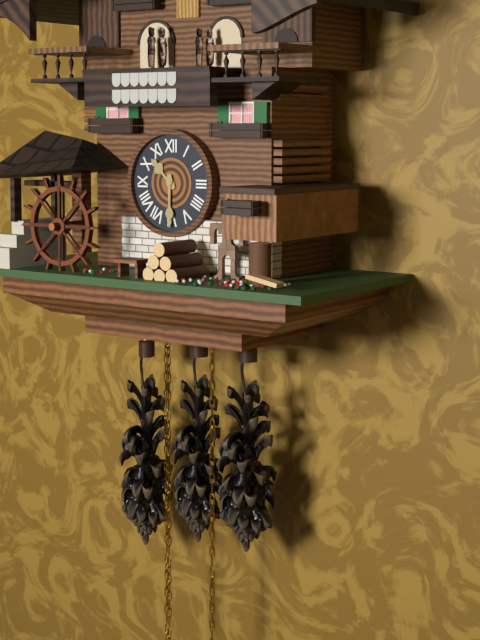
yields 10h30
